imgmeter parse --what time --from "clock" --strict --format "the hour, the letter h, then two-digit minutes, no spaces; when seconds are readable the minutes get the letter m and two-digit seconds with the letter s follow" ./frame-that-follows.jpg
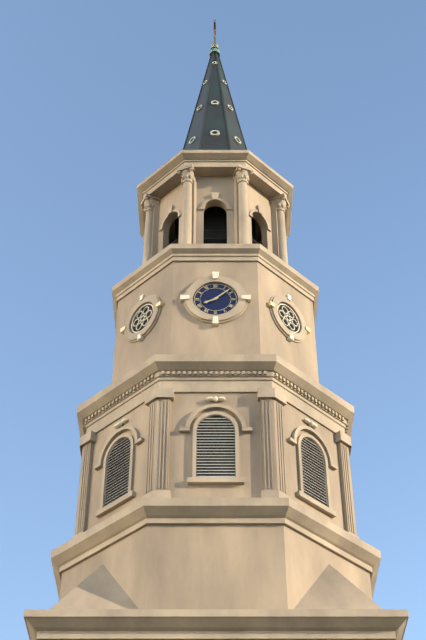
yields 8h08
